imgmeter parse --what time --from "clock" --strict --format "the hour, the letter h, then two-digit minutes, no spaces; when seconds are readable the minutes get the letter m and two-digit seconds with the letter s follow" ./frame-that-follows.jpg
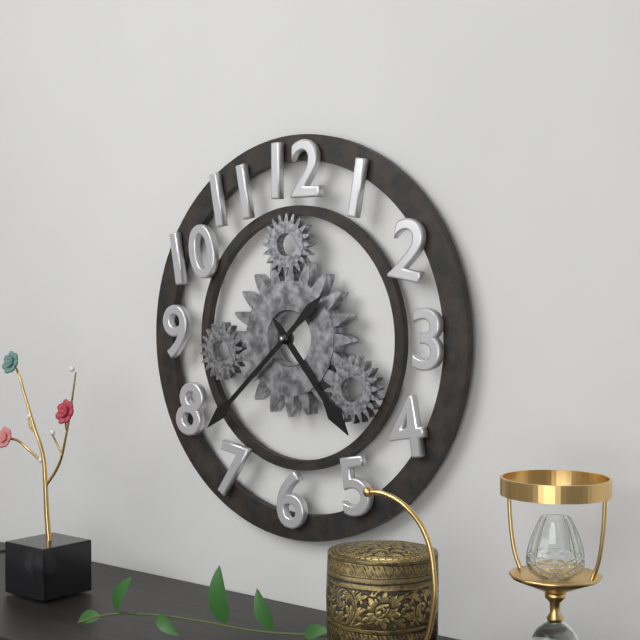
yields 4h38
